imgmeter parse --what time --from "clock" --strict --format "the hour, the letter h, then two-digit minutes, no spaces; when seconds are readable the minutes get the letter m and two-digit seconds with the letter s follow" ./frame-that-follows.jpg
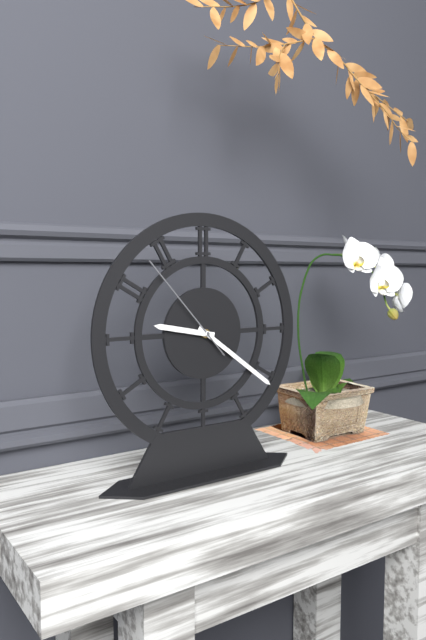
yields 9h21m53s
